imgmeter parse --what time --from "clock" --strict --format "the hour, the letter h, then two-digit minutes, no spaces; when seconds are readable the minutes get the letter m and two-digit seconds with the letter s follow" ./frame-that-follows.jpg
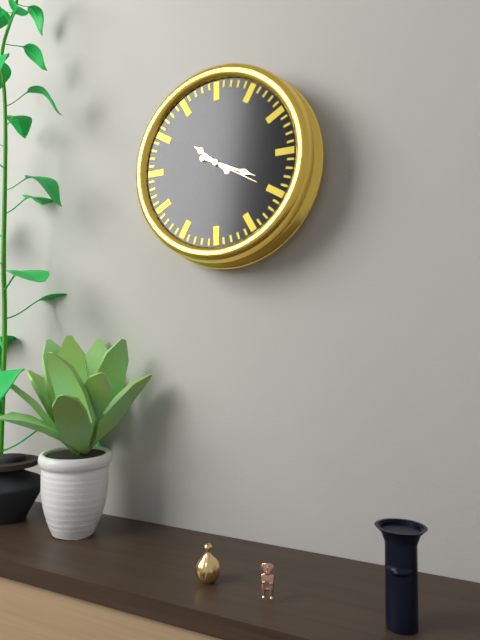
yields 10h19m20s
